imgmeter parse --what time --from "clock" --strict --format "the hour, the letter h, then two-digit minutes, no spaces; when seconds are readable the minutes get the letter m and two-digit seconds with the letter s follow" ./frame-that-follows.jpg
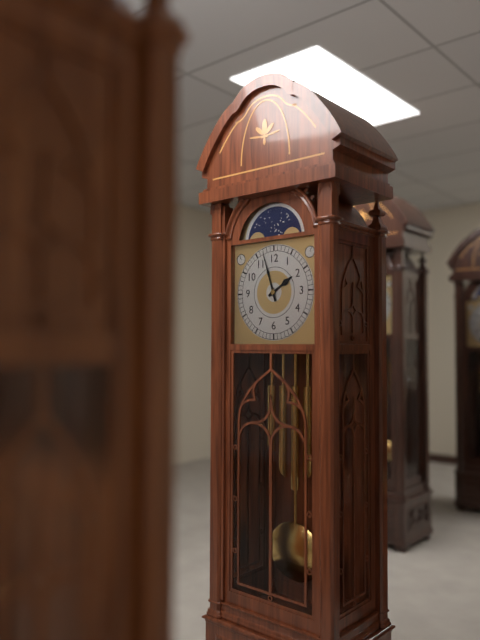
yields 1h57
